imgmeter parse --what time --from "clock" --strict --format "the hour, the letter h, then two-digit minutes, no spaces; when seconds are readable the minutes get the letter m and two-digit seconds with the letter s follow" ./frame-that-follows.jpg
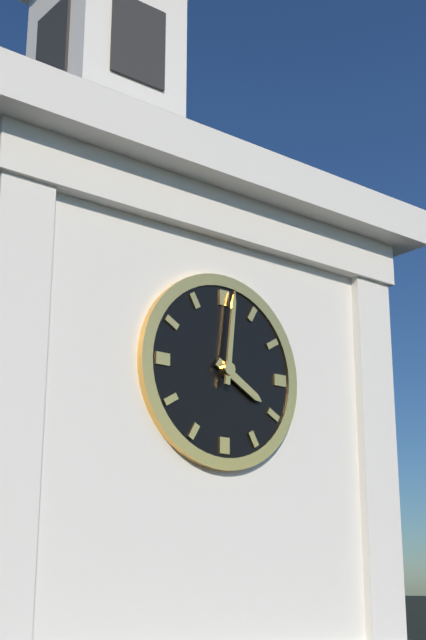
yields 4h01
